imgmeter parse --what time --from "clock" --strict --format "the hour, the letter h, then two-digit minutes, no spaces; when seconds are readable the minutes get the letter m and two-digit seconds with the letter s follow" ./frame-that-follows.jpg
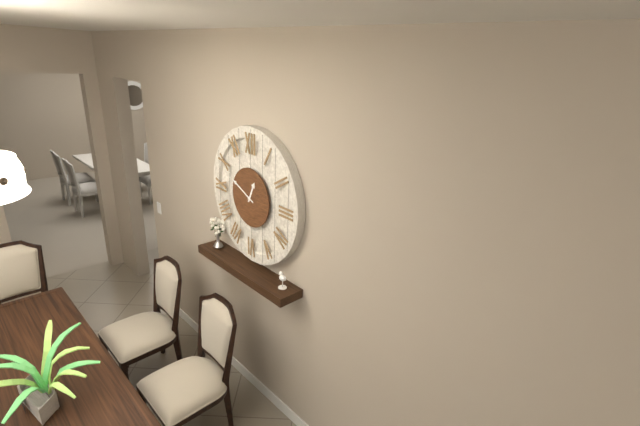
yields 12h49
